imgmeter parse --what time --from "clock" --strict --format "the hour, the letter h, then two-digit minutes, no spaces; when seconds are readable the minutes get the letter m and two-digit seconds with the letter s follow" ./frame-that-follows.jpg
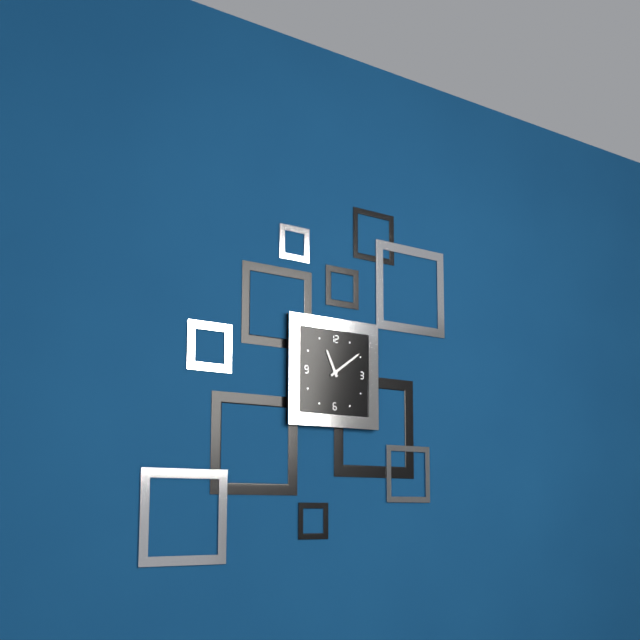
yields 11h09
